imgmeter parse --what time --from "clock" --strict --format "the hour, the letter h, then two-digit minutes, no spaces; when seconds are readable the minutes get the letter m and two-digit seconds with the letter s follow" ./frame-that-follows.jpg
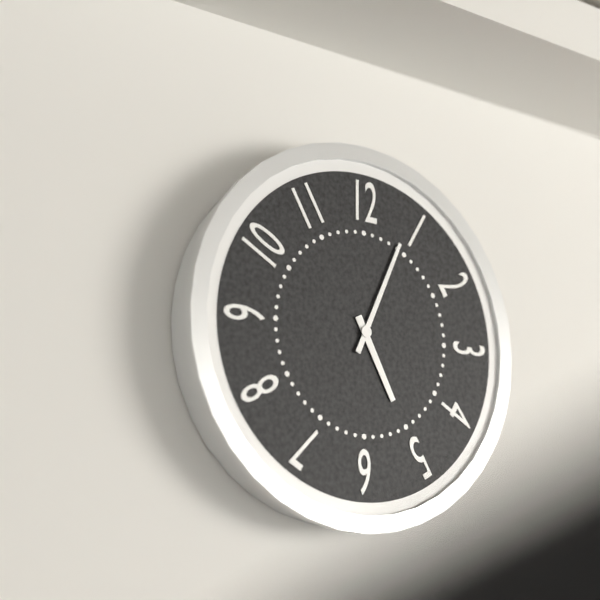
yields 5h04
